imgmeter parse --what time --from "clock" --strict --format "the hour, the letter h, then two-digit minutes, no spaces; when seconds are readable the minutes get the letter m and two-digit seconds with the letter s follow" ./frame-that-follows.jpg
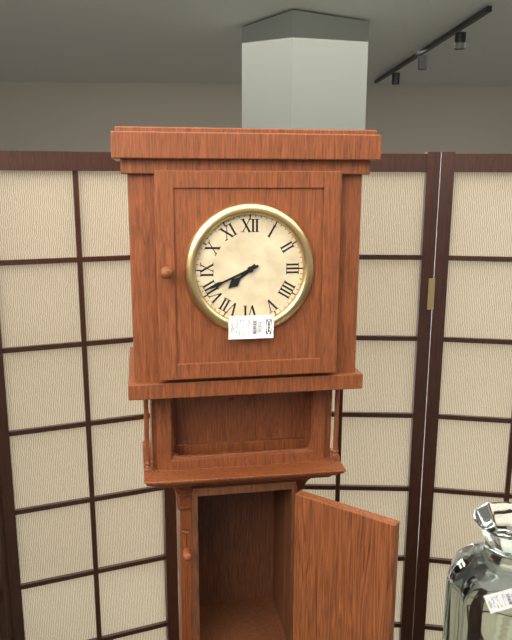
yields 7h41
